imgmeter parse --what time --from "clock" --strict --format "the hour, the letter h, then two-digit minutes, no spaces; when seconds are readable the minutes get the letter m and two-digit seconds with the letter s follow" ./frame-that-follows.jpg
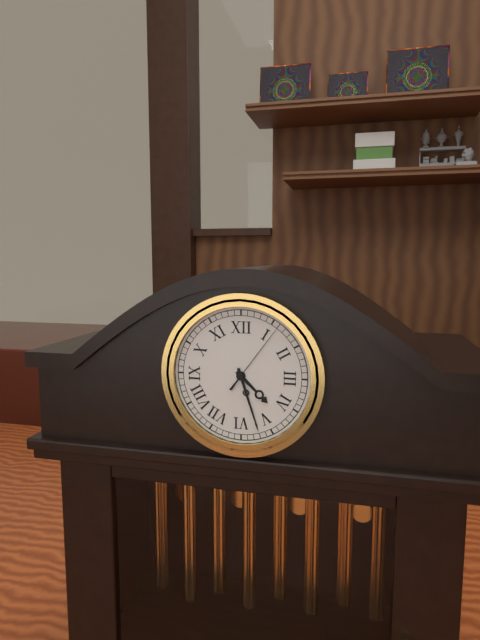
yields 4h27m06s
